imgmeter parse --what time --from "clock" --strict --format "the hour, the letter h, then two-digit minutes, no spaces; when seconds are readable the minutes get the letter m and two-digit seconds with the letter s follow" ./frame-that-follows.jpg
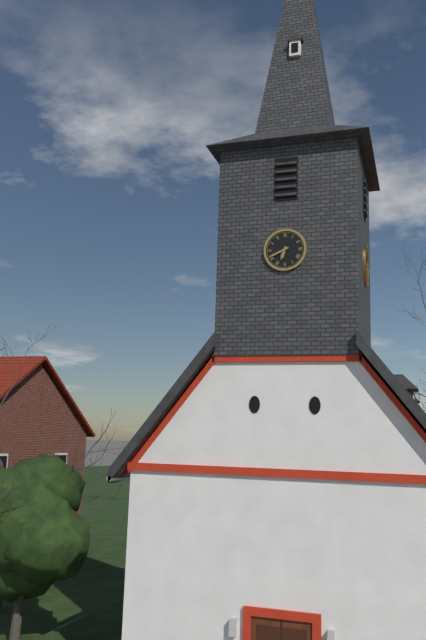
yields 6h41
